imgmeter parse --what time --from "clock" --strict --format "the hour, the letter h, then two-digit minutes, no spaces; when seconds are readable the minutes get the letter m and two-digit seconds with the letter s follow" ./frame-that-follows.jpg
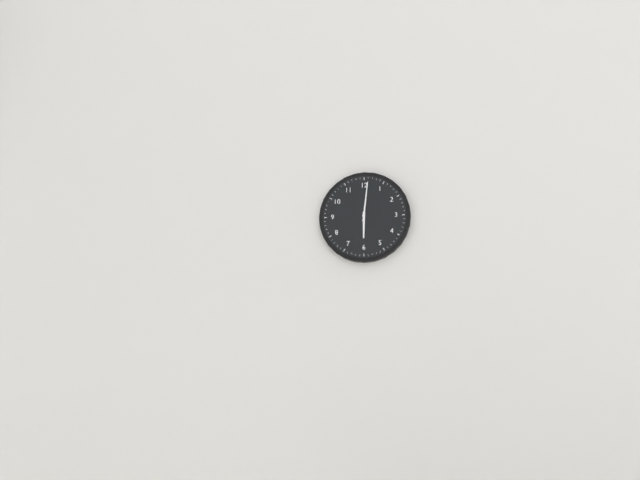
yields 6h01
